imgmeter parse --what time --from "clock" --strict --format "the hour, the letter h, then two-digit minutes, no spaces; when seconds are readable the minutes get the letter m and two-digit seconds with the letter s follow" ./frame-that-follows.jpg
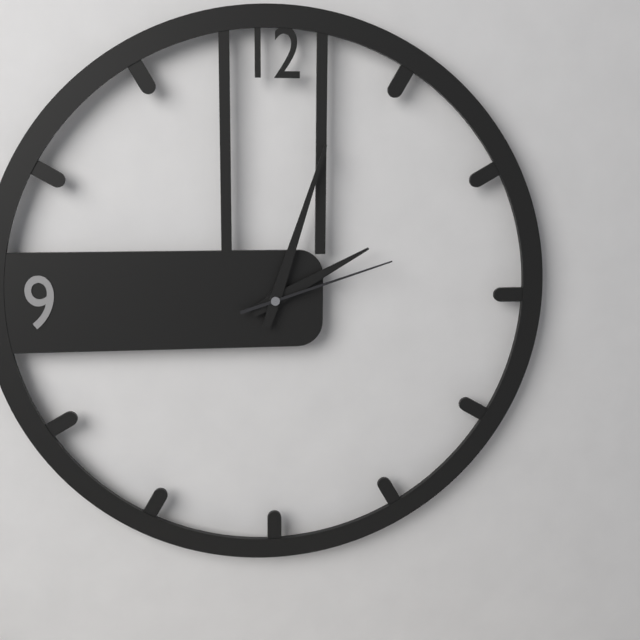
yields 2h03m12s
